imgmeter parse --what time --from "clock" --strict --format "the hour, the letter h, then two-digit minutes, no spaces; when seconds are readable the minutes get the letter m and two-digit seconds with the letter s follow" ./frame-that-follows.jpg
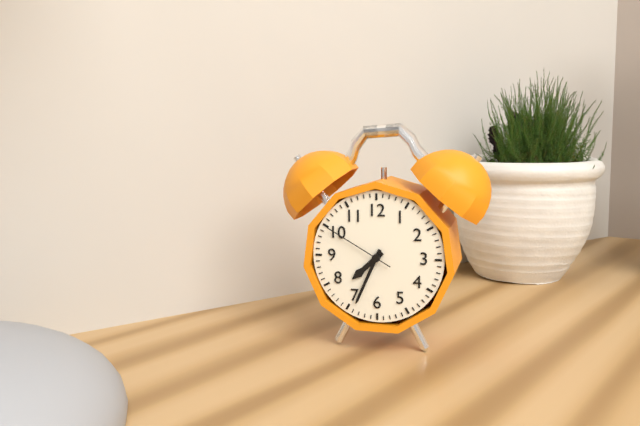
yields 7h34m50s
